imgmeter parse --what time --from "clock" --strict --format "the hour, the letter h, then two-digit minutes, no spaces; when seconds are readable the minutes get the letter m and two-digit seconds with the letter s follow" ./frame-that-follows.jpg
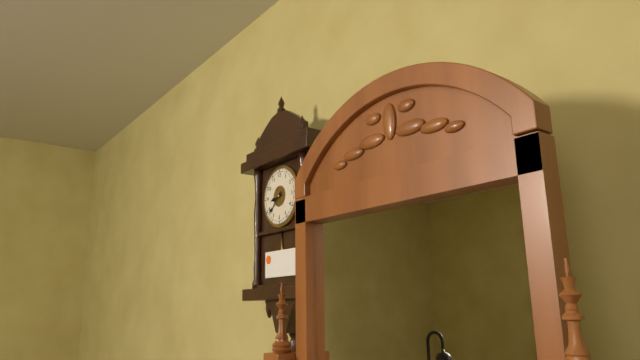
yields 8h38
